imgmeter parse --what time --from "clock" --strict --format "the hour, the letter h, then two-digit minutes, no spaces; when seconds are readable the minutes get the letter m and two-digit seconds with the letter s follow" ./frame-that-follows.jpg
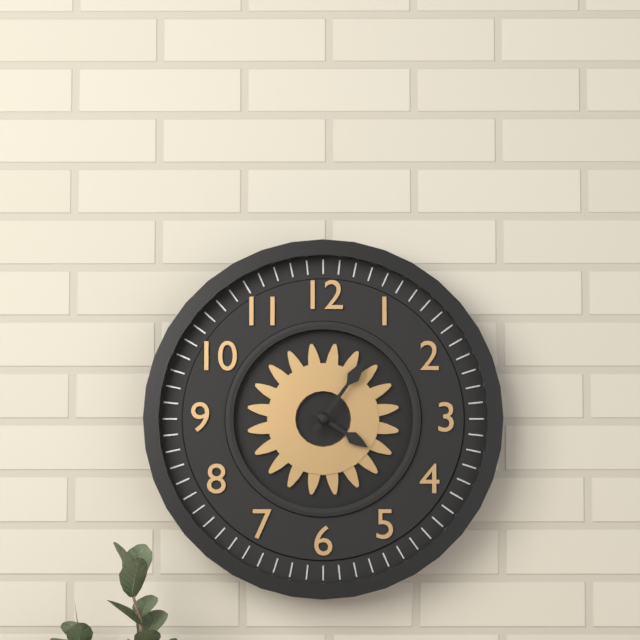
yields 4h06
